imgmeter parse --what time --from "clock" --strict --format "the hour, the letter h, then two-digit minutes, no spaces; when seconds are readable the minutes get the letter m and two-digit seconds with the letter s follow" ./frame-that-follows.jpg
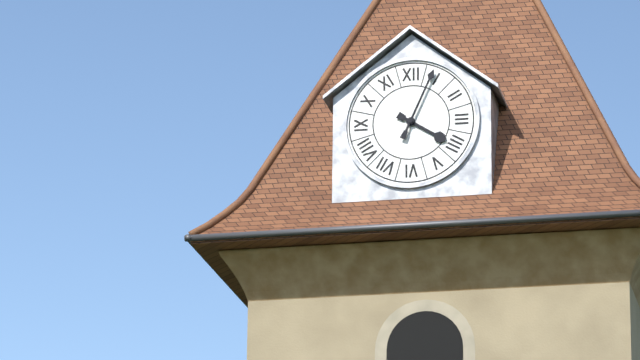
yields 4h04
